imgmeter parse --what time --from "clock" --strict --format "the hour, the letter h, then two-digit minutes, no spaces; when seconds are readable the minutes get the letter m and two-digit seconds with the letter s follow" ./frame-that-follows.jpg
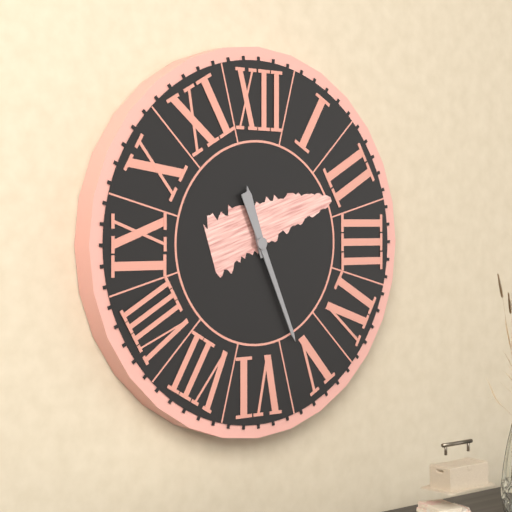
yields 11h26
